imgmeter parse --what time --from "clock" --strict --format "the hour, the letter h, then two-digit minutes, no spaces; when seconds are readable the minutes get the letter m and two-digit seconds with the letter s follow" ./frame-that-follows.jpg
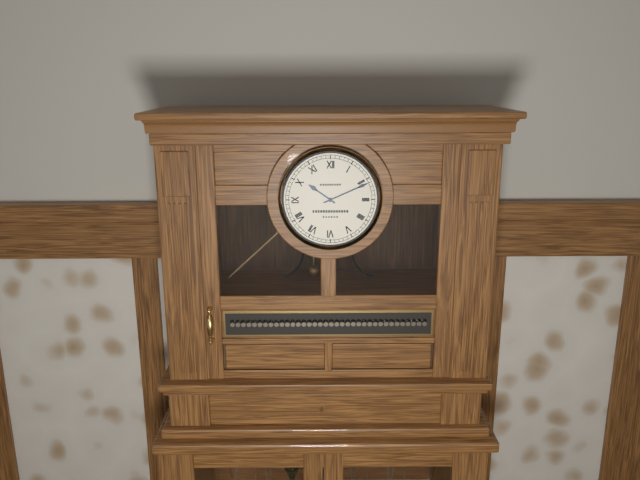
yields 10h11
